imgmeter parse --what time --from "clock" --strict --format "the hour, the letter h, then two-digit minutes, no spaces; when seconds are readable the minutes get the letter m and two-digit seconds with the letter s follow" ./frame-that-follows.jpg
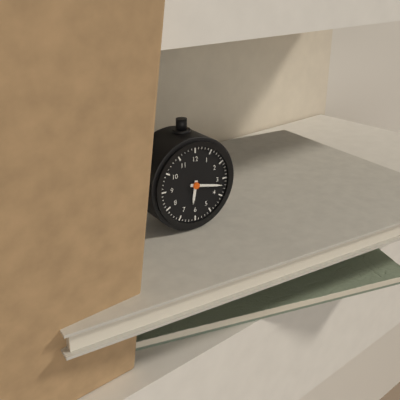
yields 6h17
